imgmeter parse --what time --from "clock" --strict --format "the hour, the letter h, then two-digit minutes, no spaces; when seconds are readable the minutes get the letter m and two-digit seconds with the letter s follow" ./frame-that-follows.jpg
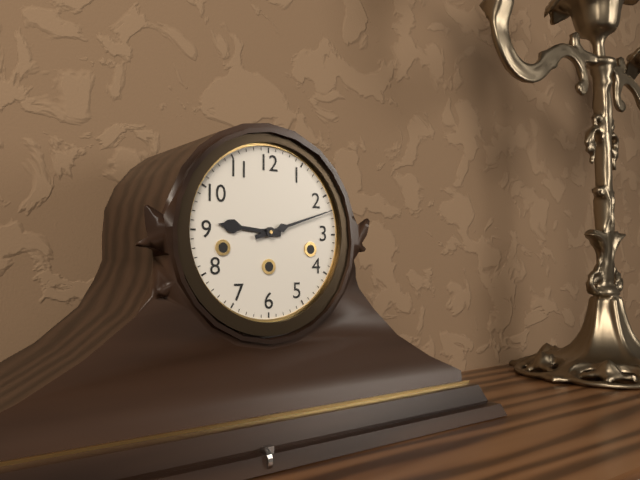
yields 9h12
